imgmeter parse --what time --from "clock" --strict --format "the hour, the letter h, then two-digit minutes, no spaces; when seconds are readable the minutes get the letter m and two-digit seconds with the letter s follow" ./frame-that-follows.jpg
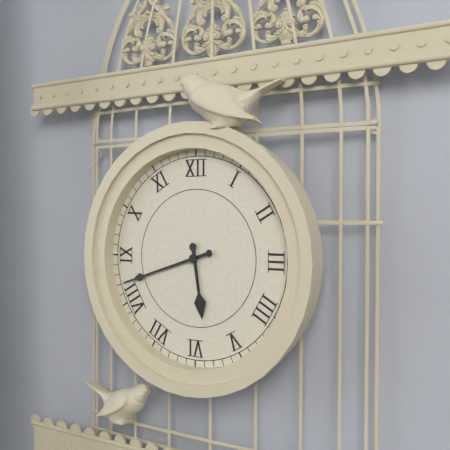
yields 5h42
